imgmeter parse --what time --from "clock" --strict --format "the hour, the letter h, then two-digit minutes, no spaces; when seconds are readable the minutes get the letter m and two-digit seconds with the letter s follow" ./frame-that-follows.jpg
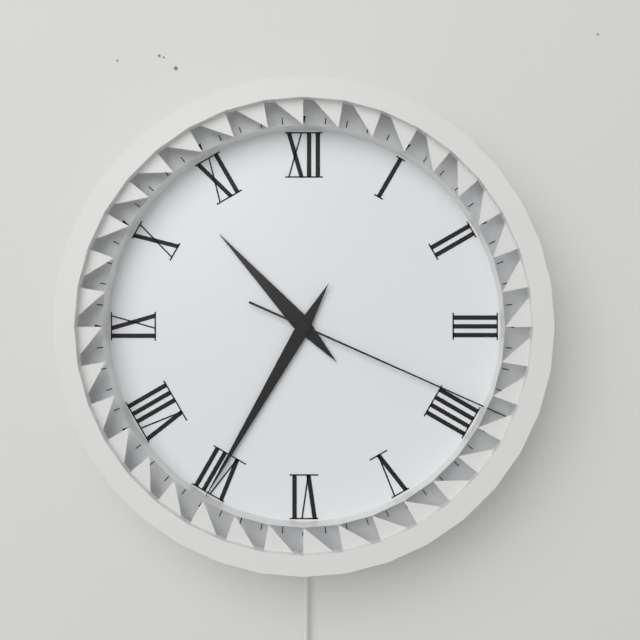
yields 10h35m19s
